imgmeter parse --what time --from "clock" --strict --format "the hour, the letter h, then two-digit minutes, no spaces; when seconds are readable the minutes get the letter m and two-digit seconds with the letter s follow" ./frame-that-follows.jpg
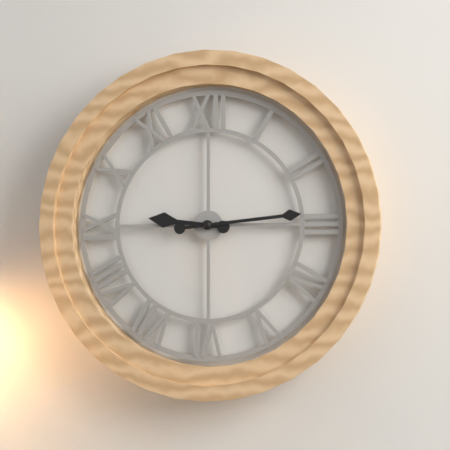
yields 9h14
